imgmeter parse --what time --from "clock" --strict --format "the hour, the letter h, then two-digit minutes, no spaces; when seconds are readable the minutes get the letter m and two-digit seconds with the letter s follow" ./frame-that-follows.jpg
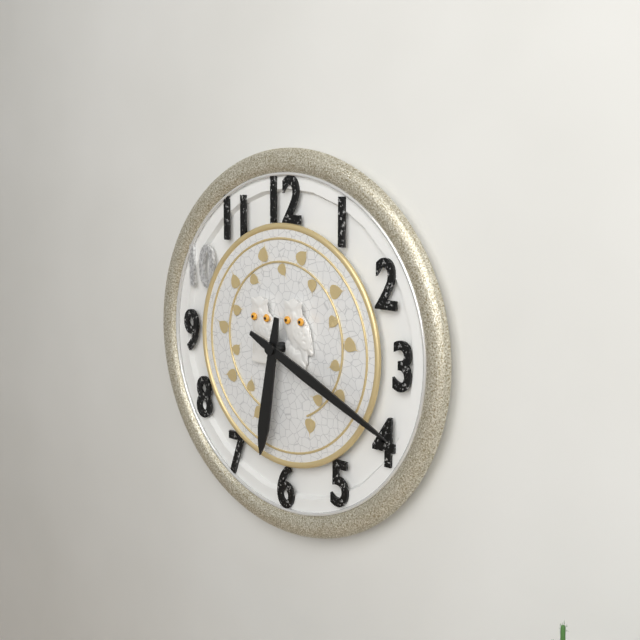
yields 6h19
